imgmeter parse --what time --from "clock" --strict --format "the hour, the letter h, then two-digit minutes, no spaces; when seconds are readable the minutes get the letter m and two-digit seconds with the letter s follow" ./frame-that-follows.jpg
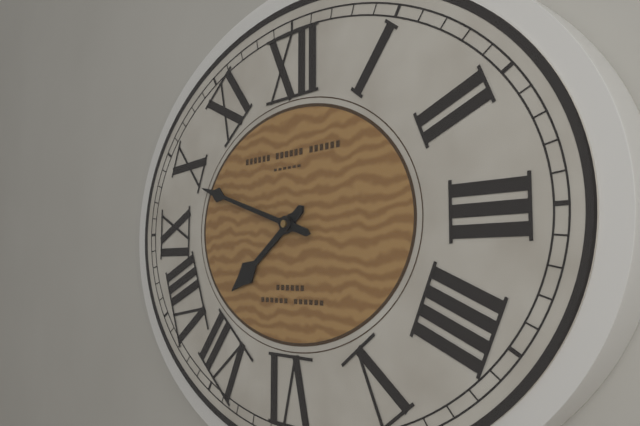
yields 7h48
